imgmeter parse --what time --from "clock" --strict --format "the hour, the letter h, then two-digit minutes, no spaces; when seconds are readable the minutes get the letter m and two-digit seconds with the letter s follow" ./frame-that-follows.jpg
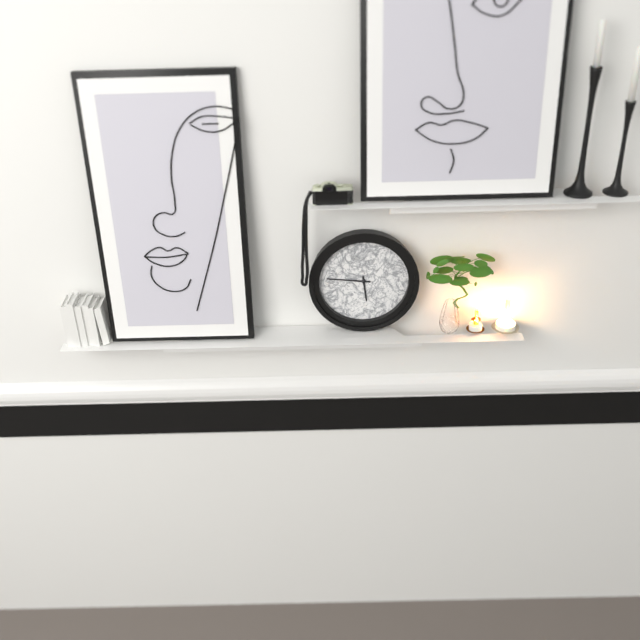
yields 5h46
